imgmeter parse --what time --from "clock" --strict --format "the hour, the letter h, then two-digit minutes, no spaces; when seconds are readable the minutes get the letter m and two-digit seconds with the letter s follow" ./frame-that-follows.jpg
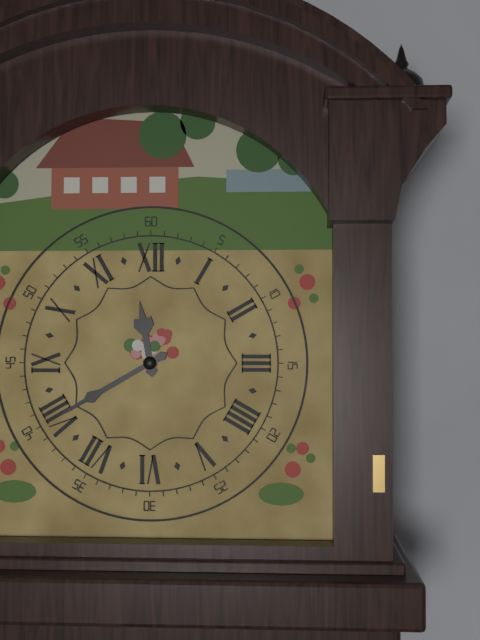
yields 11h40
